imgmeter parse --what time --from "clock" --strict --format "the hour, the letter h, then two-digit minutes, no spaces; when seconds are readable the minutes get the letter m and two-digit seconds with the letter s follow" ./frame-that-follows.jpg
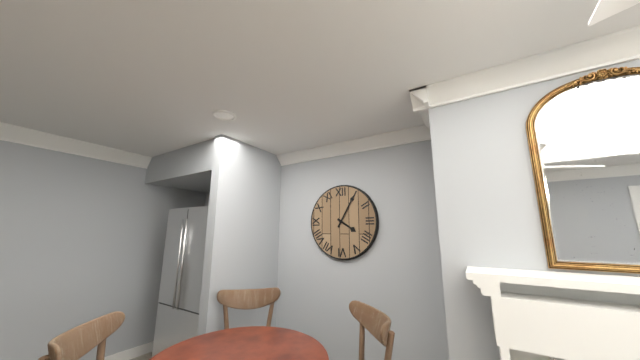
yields 4h05
